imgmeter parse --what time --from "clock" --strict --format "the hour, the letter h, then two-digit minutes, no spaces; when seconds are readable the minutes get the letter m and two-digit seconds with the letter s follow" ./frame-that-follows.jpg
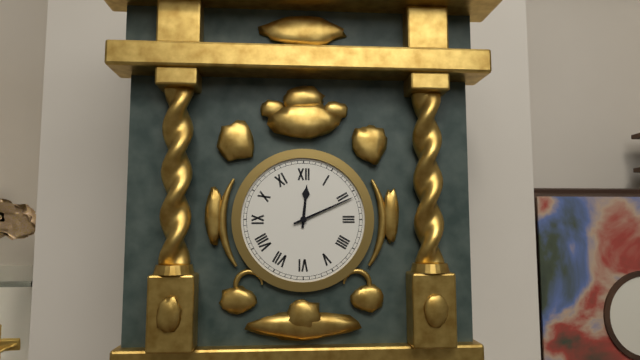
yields 12h11
